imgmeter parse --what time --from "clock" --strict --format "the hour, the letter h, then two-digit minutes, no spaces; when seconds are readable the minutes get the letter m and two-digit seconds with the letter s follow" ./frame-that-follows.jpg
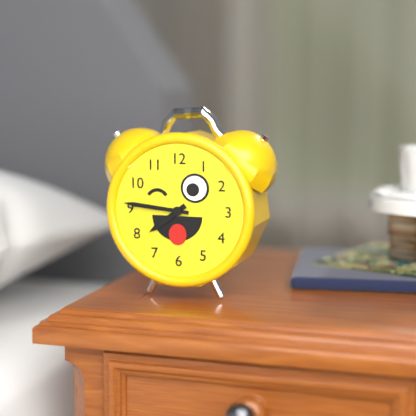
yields 7h46
